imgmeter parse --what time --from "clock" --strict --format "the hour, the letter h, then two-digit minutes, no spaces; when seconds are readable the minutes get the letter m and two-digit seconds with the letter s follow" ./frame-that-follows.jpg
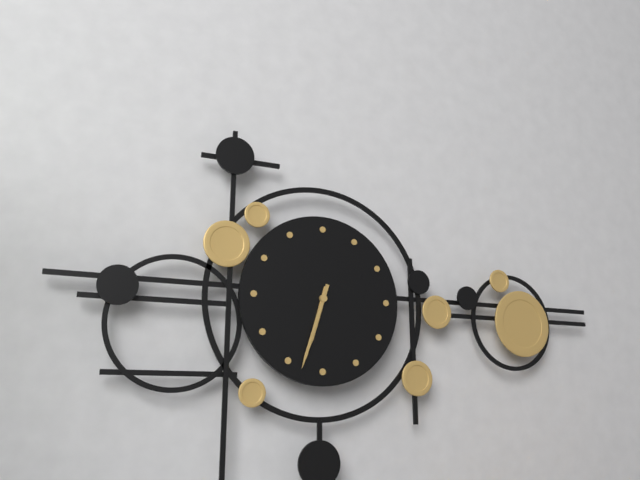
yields 6h33
